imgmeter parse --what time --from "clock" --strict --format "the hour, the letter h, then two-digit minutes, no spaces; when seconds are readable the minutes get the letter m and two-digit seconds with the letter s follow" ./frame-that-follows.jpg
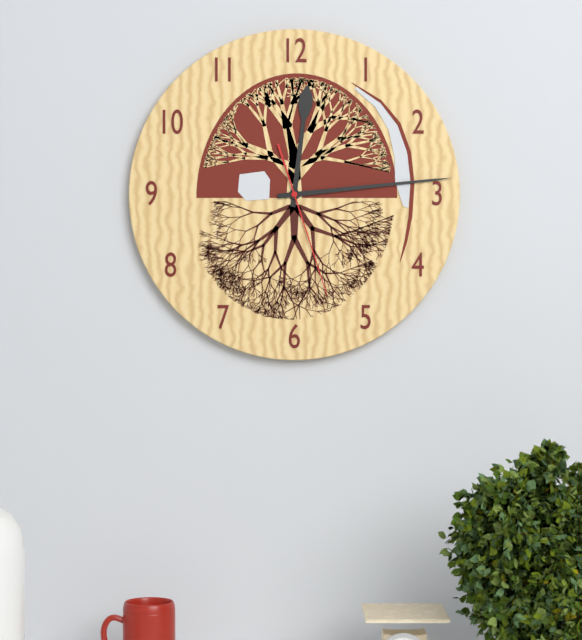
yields 12h14m27s
